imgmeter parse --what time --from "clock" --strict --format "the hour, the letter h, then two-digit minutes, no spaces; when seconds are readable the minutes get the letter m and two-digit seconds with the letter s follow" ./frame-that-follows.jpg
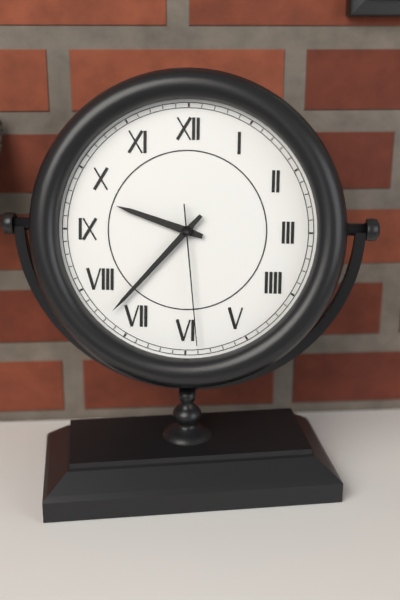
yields 9h37m29s
